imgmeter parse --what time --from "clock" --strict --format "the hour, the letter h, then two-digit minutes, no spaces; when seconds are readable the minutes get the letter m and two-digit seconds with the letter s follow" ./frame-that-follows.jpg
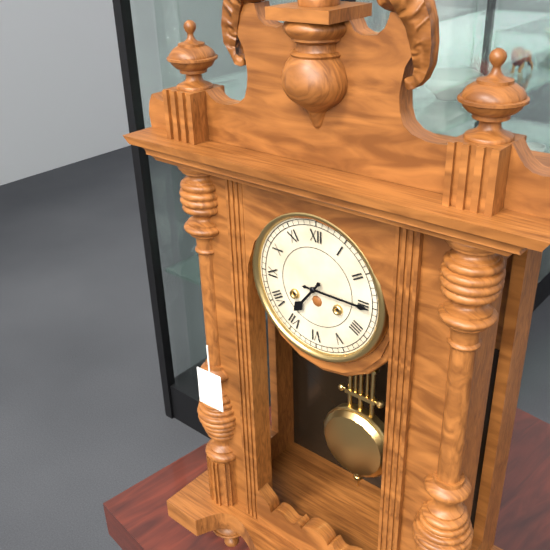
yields 7h15
